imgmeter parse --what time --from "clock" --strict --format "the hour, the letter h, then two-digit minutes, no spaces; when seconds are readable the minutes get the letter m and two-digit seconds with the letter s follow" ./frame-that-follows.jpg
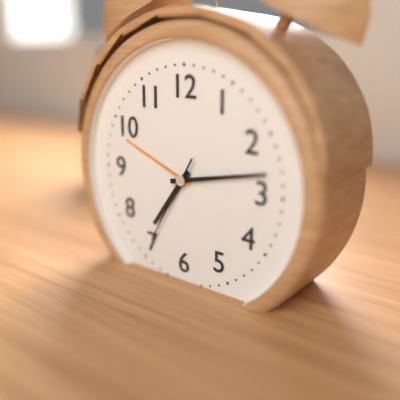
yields 7h13m35s
